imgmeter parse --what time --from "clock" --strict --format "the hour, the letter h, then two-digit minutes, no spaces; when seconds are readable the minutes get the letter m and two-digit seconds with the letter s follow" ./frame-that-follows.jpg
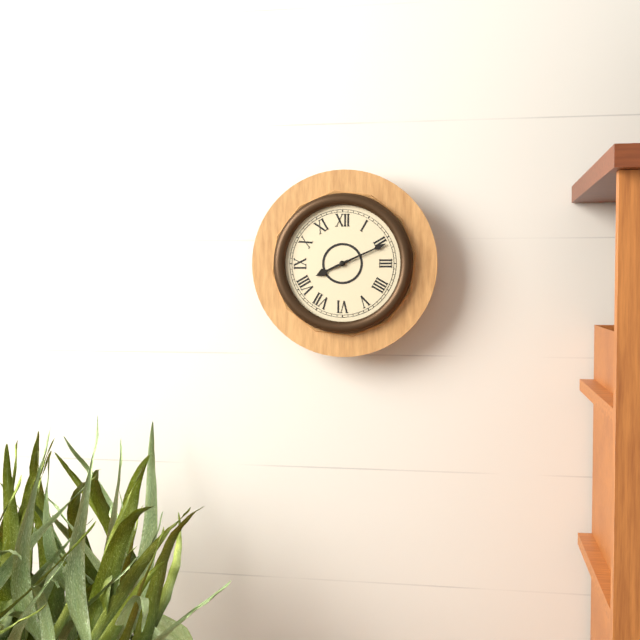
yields 8h11
